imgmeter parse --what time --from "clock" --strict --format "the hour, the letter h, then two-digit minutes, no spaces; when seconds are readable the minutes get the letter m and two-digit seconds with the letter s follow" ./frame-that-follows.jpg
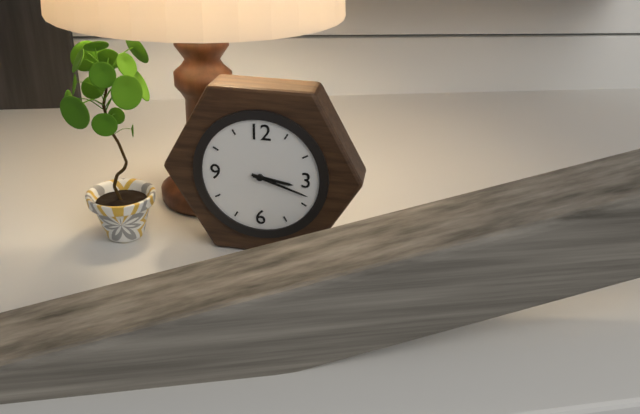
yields 3h18
